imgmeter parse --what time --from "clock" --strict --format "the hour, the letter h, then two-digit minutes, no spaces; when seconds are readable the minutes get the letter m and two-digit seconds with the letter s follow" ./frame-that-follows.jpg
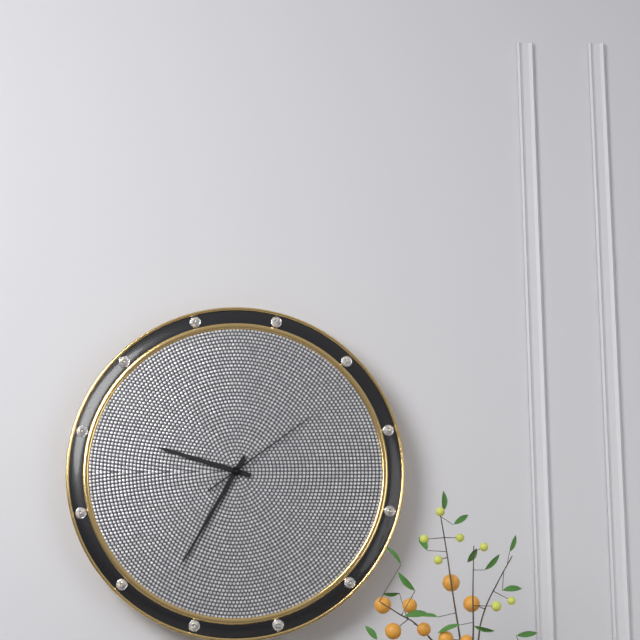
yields 9h35m09s
